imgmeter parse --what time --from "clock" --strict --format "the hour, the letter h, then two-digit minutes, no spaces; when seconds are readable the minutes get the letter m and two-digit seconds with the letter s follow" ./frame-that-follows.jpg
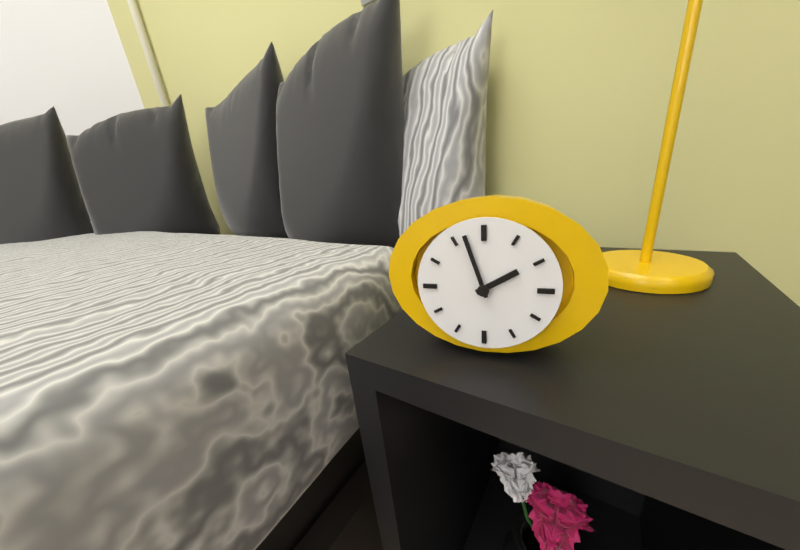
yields 1h57
